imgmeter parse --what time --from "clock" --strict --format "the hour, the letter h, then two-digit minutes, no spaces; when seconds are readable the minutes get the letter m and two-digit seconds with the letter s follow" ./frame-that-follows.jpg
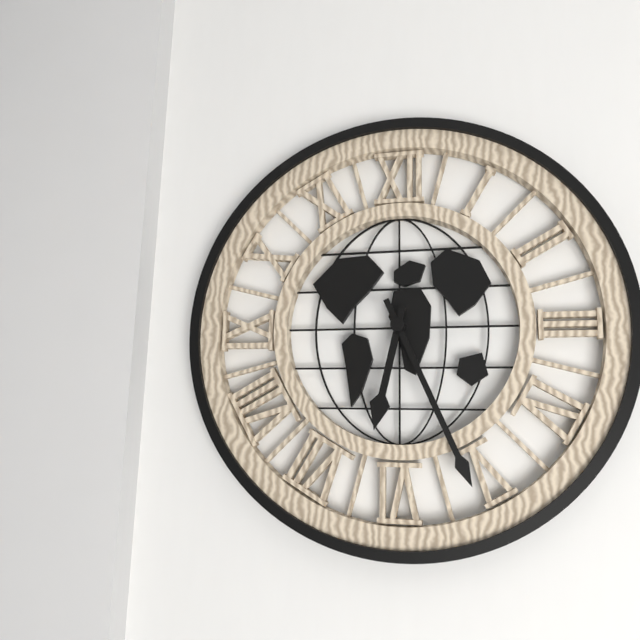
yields 6h26
